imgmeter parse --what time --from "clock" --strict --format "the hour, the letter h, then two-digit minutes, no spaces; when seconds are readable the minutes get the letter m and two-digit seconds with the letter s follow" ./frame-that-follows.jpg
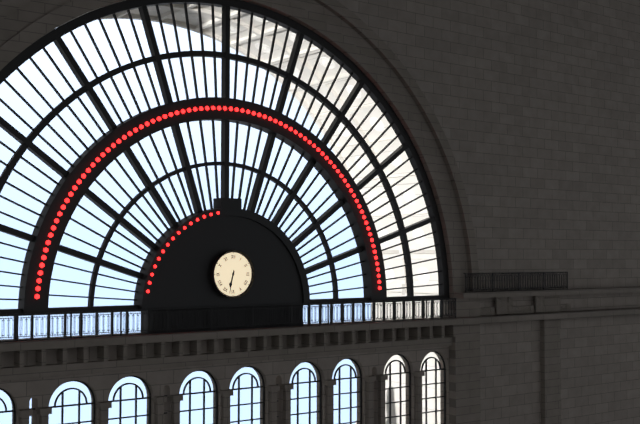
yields 6h32
